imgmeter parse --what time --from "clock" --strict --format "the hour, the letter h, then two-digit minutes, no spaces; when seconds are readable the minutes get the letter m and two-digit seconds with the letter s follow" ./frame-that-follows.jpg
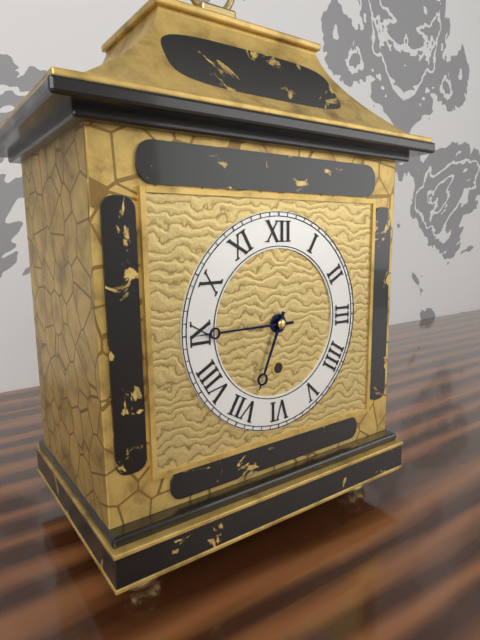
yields 6h45
